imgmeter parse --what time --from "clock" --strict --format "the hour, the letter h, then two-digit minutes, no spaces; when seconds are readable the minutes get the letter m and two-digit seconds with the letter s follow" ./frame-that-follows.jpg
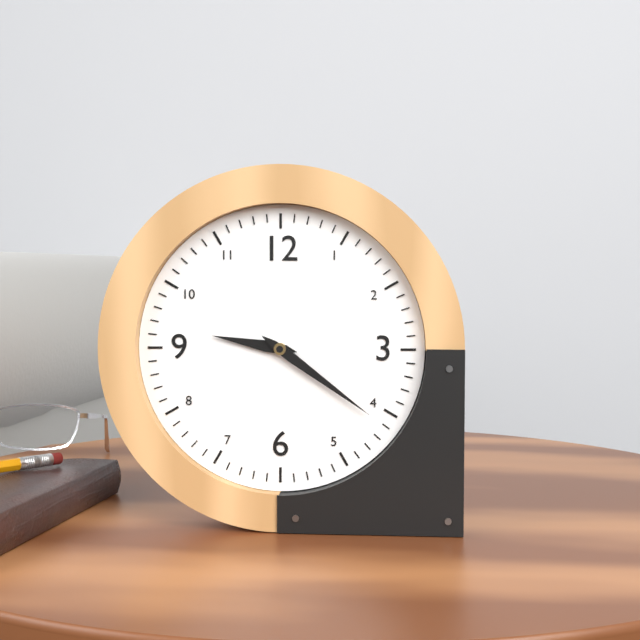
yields 9h21
